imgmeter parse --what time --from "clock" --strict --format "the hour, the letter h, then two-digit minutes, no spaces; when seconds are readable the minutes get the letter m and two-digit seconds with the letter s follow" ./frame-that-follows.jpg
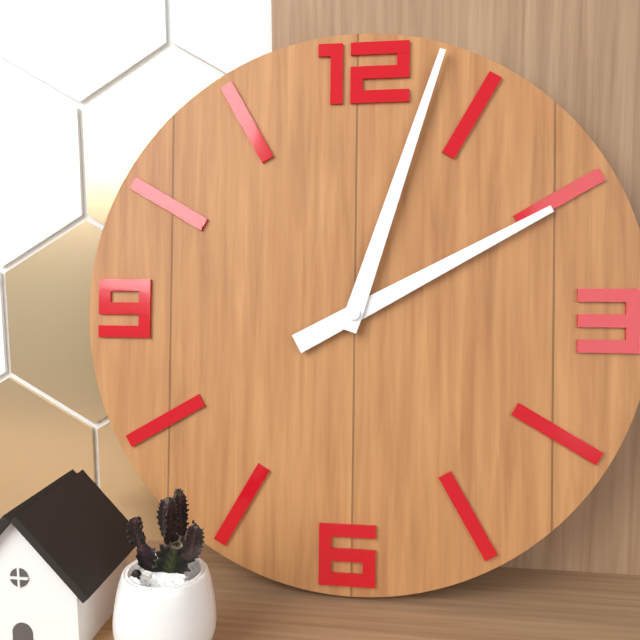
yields 2h03
